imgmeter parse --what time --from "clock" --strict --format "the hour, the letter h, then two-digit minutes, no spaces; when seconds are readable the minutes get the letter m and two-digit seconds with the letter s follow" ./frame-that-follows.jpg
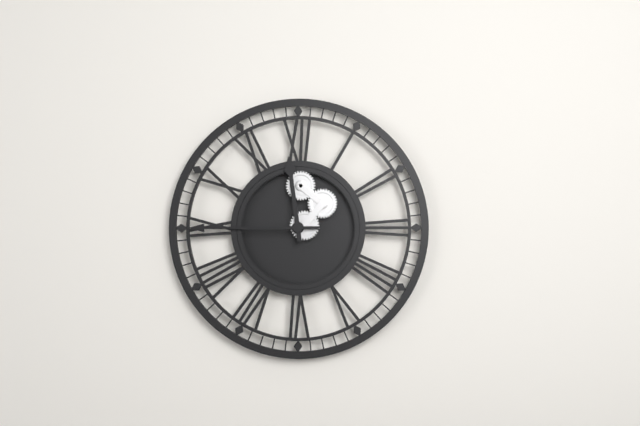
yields 11h45
